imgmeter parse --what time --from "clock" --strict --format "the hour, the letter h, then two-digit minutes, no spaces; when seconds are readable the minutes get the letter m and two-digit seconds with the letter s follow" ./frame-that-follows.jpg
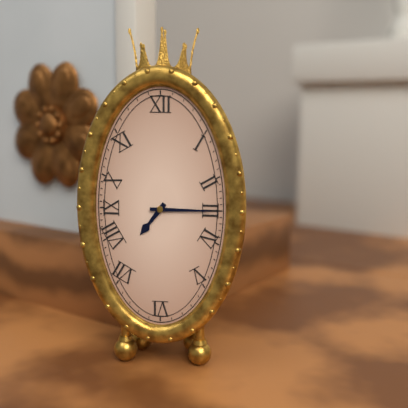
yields 7h15
